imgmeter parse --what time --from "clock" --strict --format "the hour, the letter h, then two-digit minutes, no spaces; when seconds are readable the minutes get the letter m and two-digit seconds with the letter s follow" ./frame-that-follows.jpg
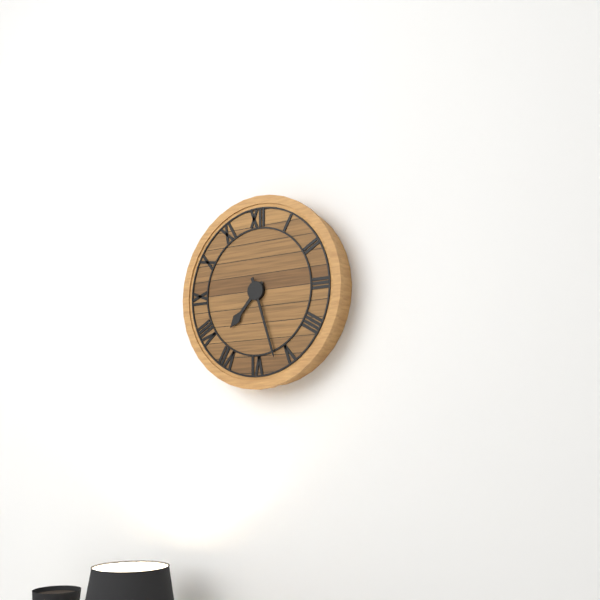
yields 7h27
